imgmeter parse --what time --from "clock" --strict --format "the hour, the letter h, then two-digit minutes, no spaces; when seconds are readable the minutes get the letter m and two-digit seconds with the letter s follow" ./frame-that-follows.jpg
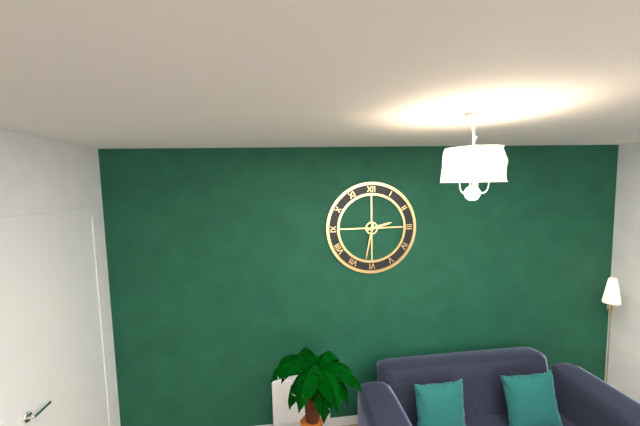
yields 2h32
